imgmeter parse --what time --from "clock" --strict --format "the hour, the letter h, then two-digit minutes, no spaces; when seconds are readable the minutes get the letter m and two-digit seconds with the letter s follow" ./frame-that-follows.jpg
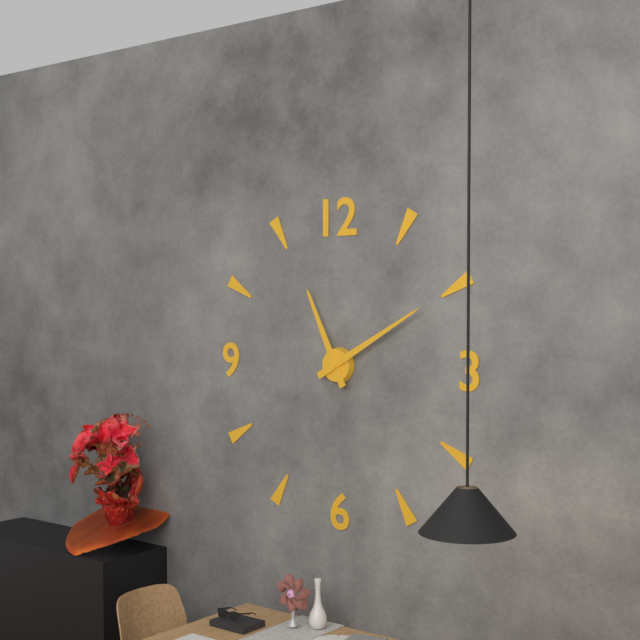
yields 11h10
